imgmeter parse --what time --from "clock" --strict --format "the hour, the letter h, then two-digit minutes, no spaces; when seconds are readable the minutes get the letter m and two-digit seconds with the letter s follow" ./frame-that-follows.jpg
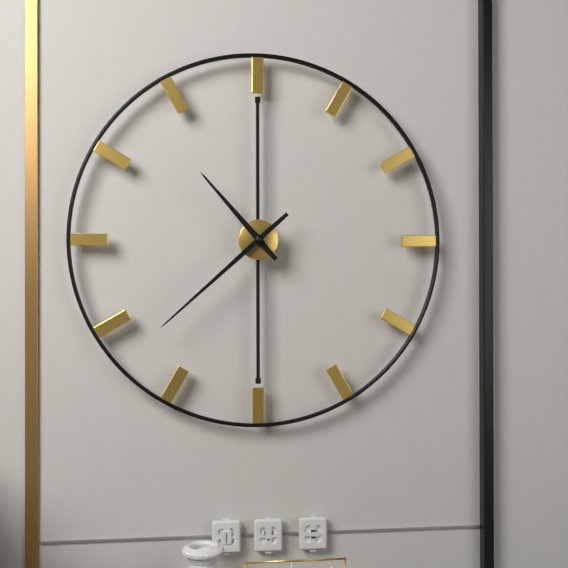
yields 10h38
